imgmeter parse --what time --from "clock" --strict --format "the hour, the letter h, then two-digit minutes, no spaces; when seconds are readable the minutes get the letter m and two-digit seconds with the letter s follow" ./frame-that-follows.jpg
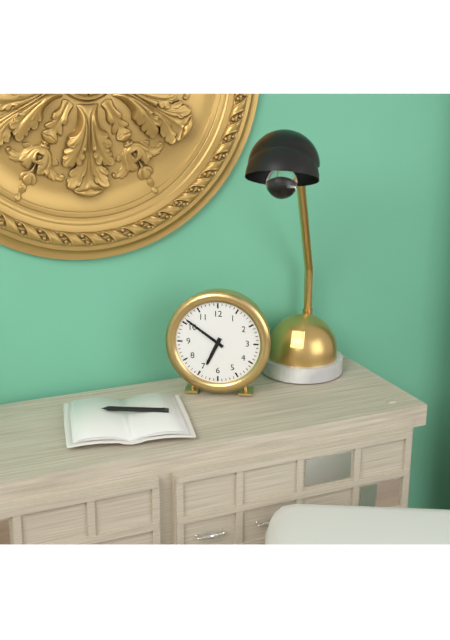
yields 6h51
